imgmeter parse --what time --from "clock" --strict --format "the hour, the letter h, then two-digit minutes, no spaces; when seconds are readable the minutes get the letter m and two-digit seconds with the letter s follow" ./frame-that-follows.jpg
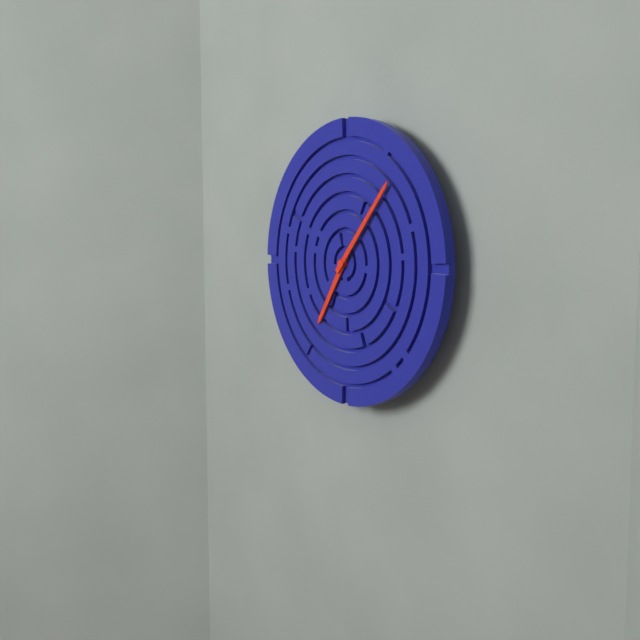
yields 7h07
